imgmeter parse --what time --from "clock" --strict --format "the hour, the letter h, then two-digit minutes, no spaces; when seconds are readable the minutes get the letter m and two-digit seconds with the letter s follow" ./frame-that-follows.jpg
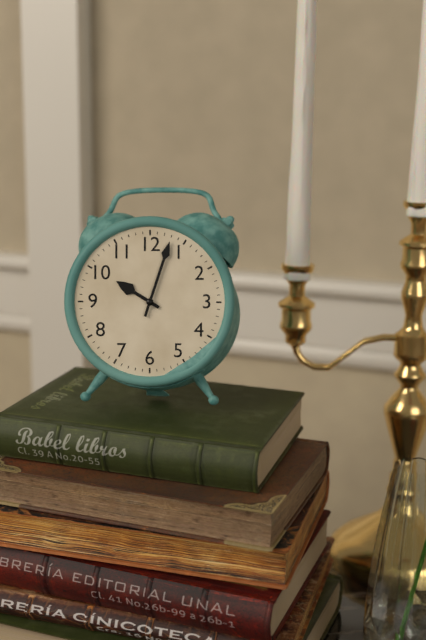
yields 10h03
